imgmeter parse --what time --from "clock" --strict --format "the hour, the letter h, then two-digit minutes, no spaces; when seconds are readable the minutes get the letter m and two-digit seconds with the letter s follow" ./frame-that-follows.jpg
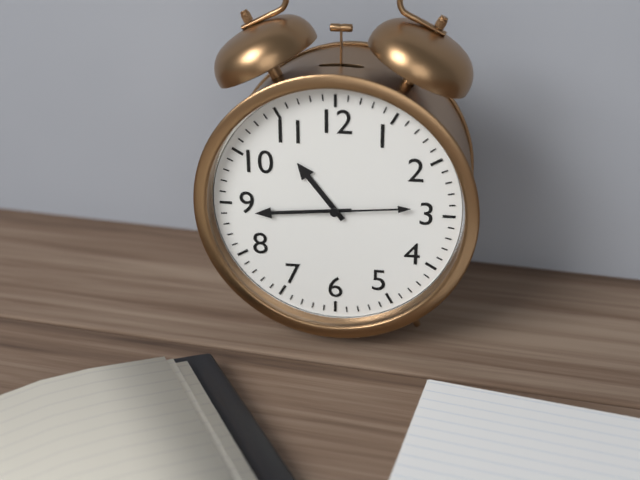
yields 10h44m14s
